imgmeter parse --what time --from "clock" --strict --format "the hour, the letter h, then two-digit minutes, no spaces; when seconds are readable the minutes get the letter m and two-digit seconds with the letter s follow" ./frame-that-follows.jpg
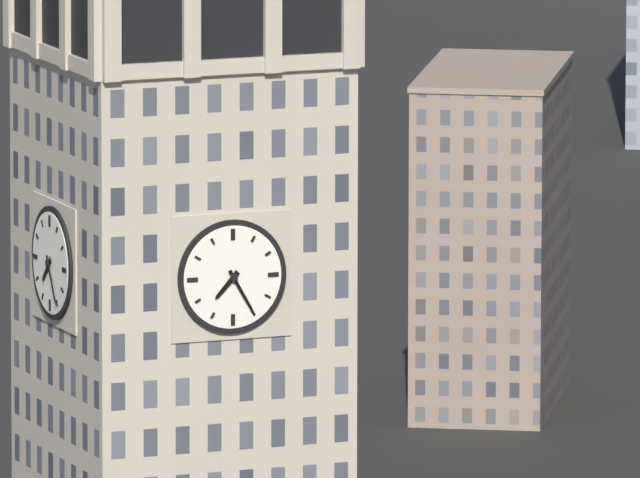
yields 7h25
